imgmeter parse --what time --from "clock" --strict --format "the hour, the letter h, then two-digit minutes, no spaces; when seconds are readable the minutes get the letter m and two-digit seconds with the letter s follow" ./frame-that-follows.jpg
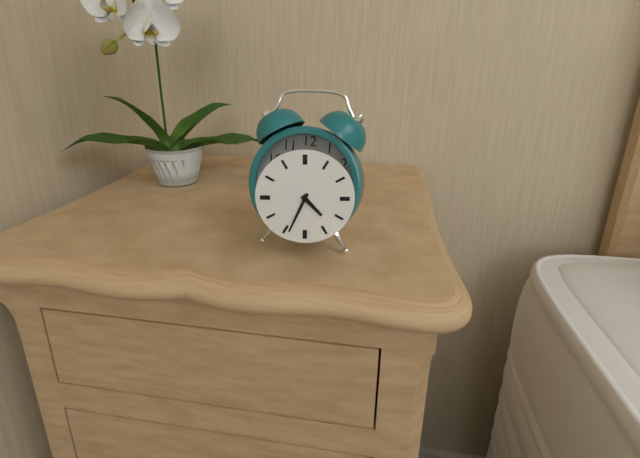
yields 4h34
